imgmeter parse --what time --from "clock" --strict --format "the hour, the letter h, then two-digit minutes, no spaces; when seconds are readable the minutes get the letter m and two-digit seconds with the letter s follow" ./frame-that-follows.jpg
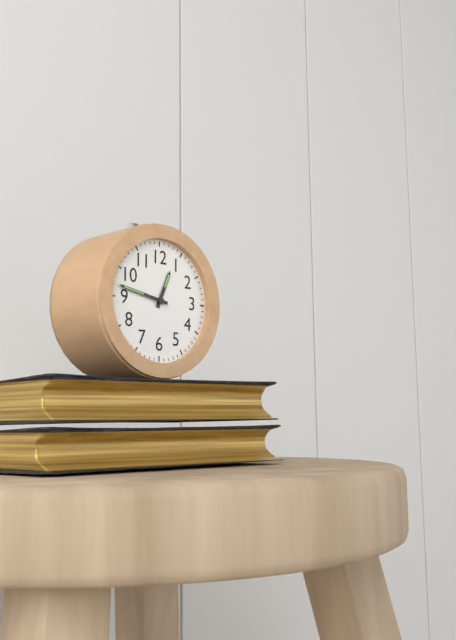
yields 12h47
